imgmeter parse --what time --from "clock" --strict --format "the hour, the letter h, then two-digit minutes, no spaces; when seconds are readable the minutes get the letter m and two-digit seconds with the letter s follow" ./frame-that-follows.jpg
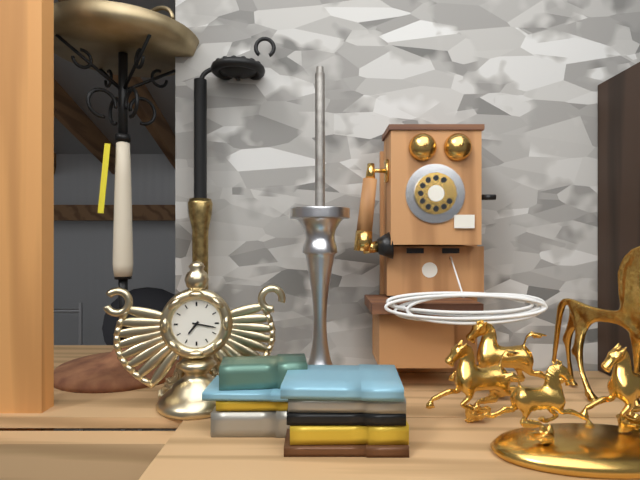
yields 7h17
